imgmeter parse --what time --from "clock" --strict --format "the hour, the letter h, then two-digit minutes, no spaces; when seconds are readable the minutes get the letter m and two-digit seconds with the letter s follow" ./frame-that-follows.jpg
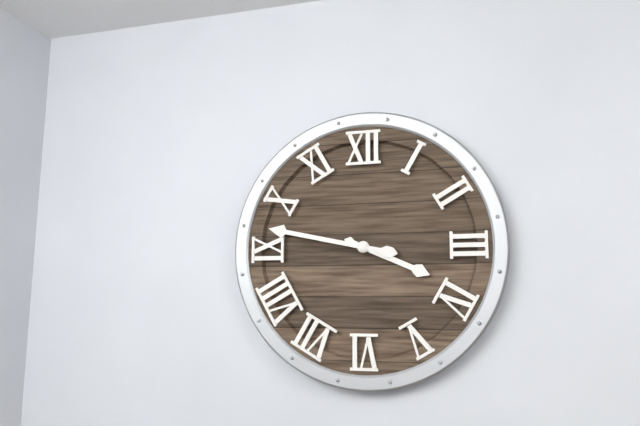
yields 3h47
